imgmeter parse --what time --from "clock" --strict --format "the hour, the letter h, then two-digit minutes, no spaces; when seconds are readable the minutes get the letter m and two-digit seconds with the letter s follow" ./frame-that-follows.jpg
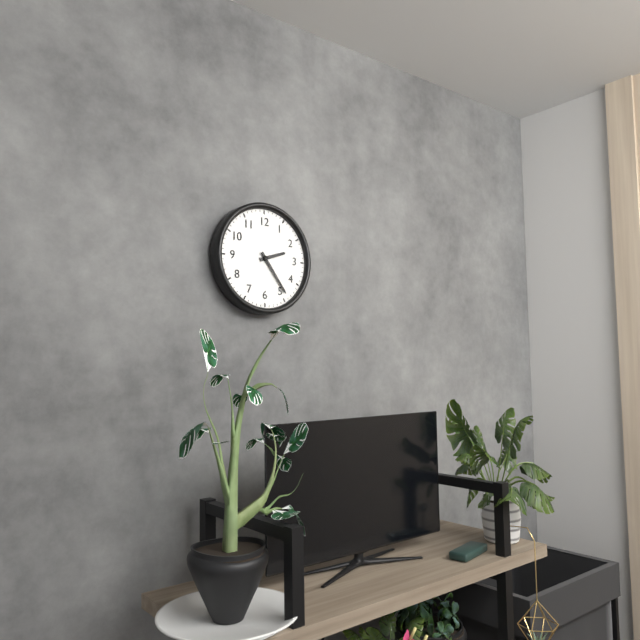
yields 2h24
